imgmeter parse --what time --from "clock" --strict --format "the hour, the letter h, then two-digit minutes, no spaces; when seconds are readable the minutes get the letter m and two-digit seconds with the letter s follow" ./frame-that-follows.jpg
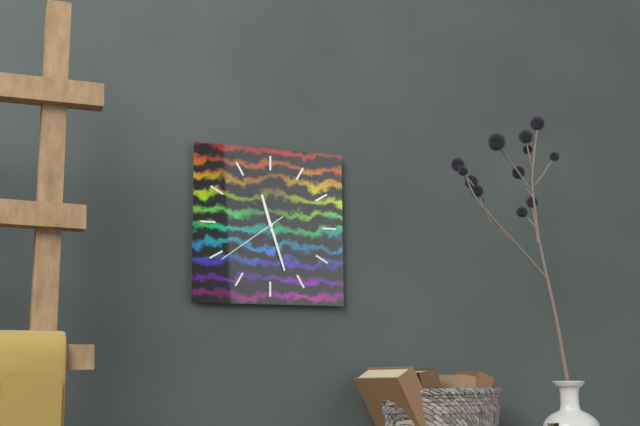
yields 11h27m39s
